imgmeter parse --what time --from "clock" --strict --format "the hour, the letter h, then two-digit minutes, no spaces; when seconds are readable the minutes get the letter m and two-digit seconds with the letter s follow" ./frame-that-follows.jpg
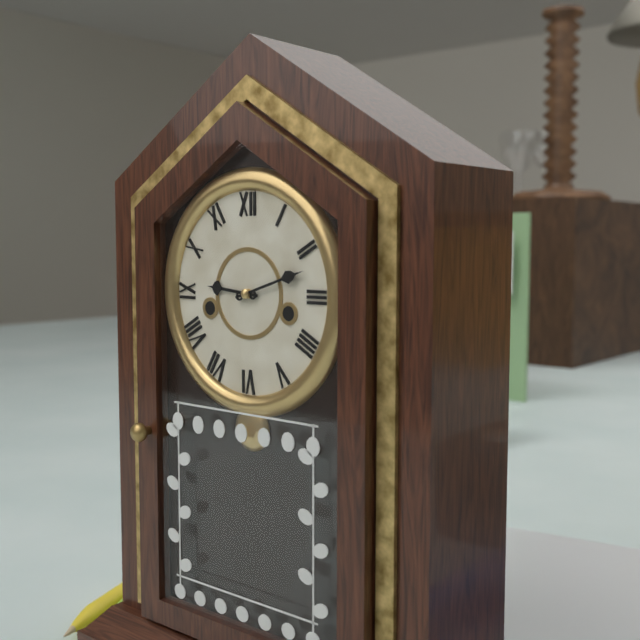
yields 9h12
